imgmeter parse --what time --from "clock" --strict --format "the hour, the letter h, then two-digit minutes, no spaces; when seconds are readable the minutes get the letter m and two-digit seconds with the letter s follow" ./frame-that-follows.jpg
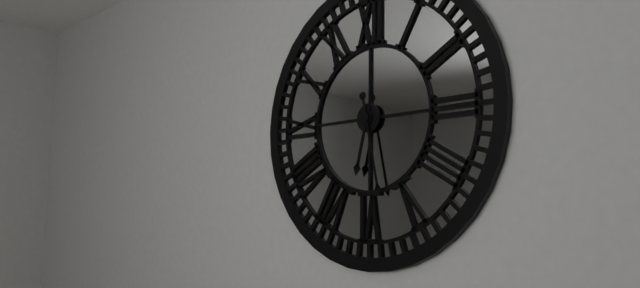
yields 6h28
